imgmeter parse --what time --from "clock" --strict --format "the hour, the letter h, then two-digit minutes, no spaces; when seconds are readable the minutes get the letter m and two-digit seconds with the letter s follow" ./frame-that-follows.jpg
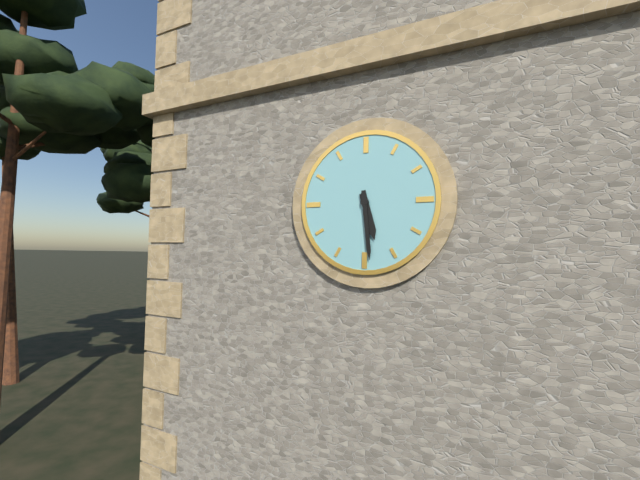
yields 5h29
